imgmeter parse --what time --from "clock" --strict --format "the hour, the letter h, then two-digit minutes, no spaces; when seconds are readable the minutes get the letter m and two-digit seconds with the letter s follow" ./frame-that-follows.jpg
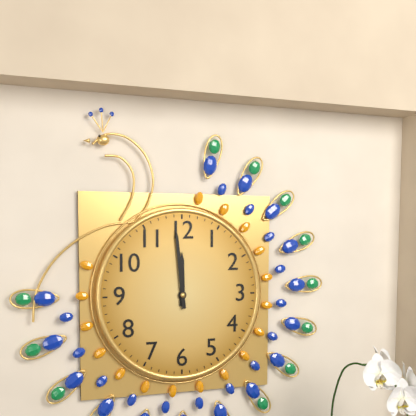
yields 11h59
